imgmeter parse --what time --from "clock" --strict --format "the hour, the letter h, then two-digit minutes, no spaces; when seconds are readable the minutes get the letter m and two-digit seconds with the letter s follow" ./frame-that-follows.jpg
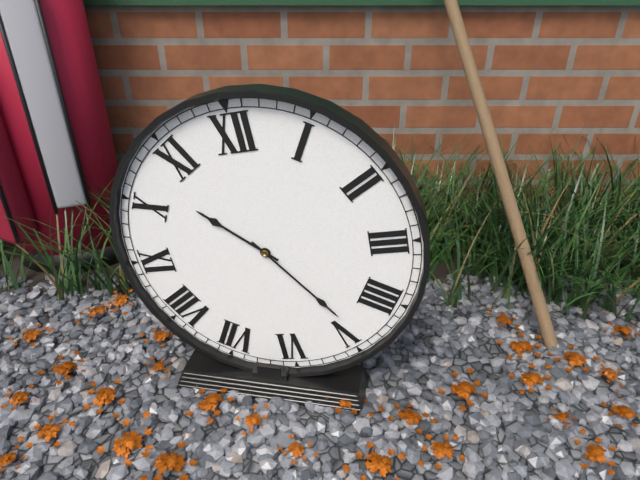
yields 10h24
